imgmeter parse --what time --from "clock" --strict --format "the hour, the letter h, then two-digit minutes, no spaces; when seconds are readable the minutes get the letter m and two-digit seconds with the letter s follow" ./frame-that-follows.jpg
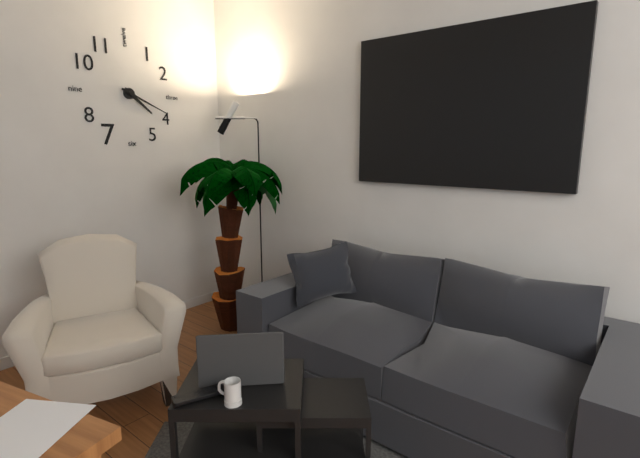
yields 4h19
